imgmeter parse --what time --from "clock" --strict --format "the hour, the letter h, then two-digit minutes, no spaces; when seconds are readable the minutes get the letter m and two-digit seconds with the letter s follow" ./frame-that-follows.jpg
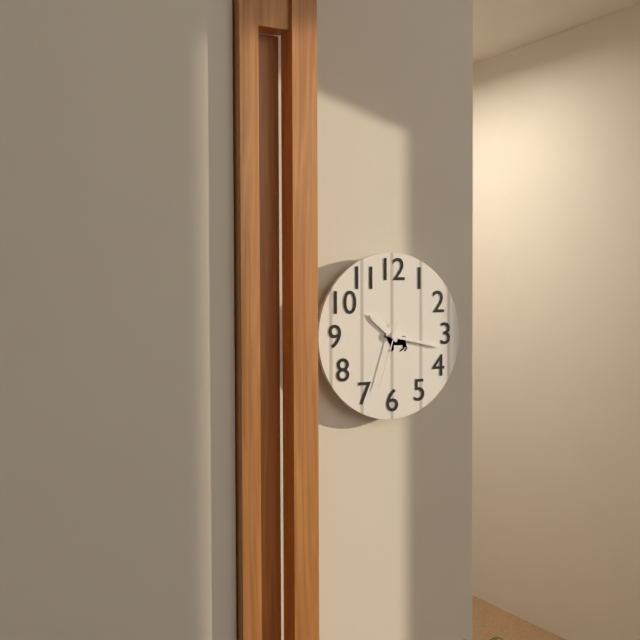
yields 10h17m33s
